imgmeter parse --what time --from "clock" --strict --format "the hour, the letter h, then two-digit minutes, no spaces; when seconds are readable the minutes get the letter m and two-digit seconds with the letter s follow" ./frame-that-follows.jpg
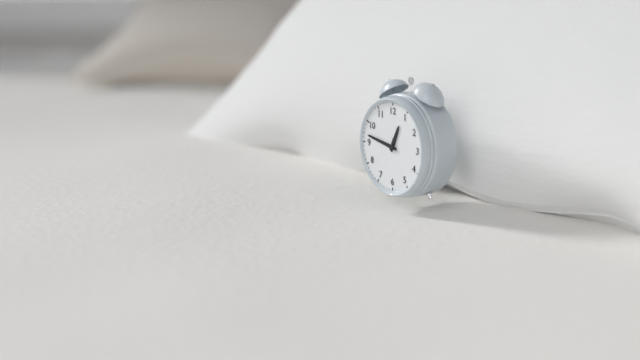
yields 12h47
